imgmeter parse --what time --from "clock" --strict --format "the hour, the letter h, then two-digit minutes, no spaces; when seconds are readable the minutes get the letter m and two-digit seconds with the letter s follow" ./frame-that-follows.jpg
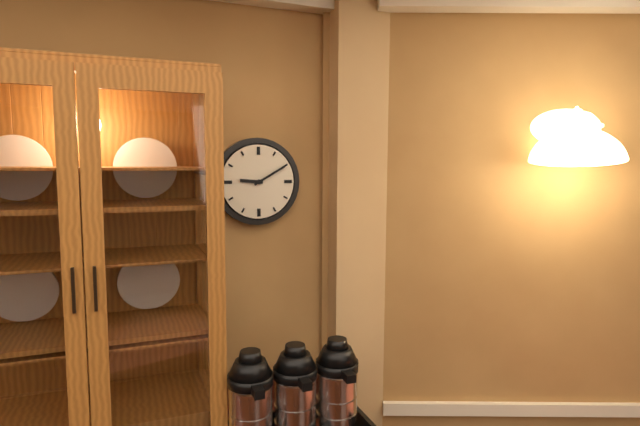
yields 9h10
